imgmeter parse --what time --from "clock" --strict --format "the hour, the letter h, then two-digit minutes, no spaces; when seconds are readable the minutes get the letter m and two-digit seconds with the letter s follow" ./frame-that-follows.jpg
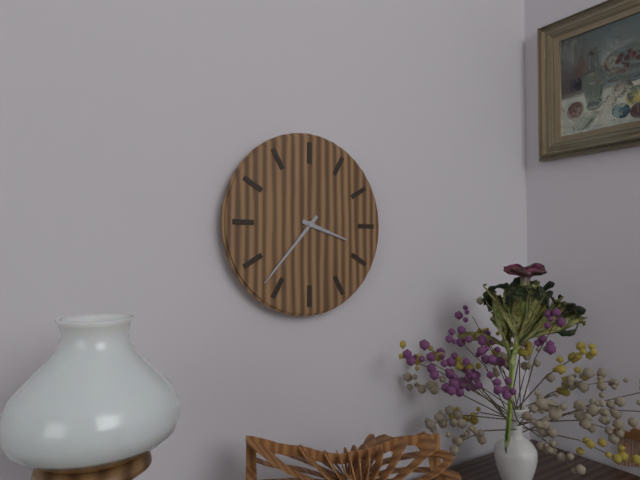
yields 3h37
